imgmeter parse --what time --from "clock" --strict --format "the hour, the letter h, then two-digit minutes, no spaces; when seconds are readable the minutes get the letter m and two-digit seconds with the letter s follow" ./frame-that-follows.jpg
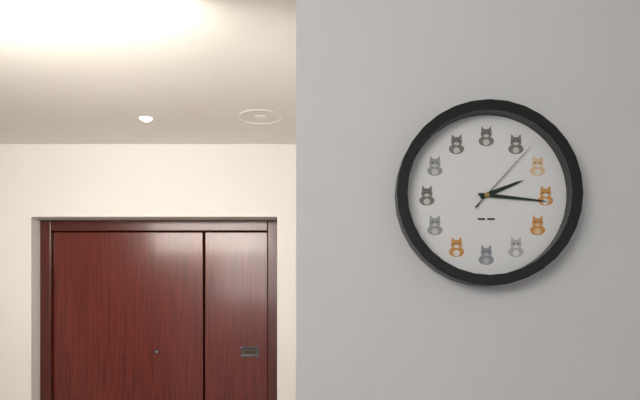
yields 2h16m07s
